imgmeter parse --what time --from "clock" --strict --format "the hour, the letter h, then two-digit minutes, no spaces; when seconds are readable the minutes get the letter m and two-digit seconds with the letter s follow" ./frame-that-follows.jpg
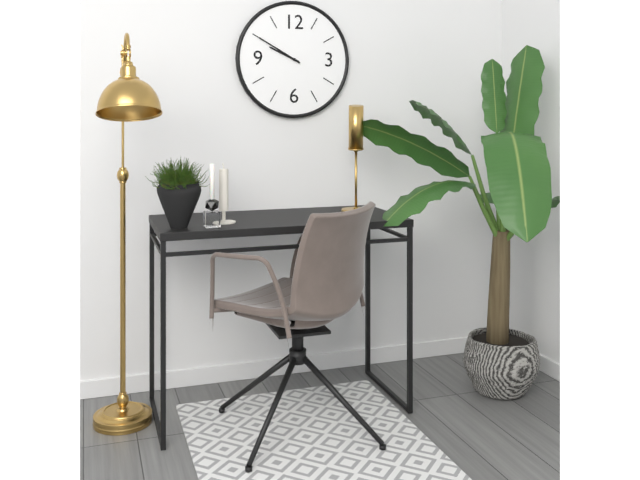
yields 9h50
